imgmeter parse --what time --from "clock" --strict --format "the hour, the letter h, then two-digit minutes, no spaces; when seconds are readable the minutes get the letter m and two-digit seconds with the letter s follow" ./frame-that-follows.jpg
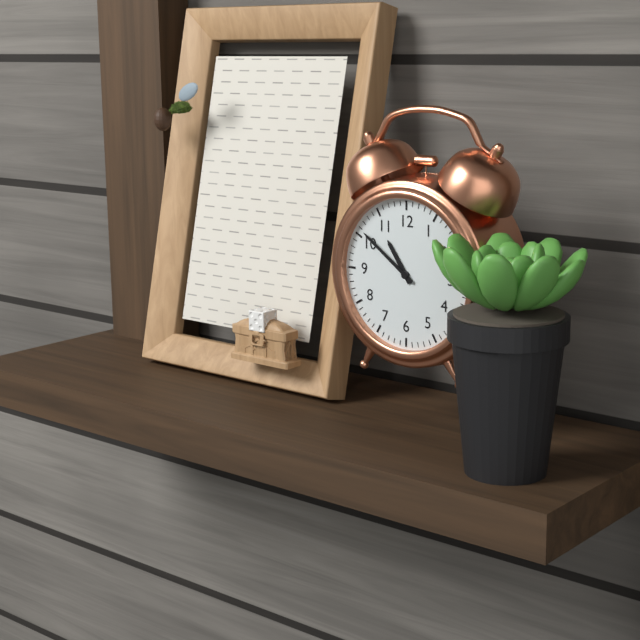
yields 10h51
